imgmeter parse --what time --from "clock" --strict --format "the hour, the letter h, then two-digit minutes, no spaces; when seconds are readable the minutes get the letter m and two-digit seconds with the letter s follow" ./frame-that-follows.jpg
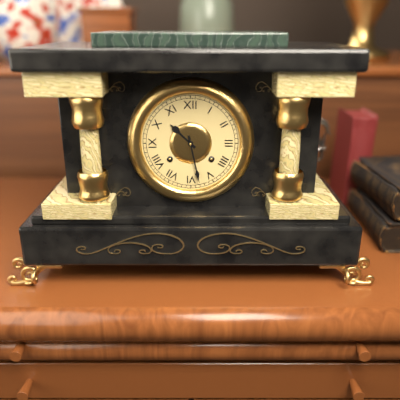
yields 10h28
